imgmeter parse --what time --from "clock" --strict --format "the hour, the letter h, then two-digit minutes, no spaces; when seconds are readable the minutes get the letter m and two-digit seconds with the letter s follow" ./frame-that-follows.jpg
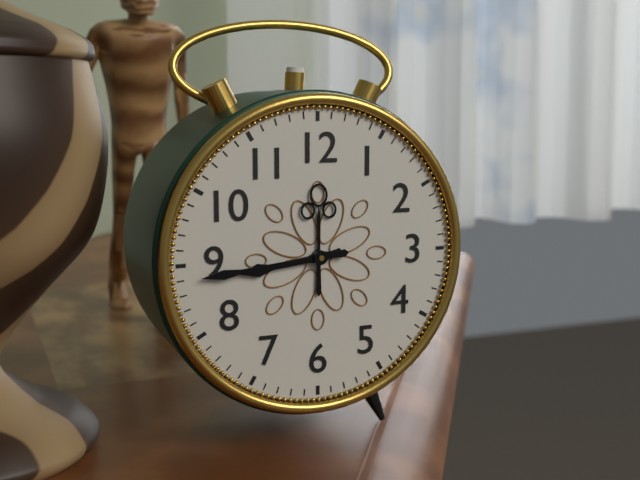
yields 8h44
